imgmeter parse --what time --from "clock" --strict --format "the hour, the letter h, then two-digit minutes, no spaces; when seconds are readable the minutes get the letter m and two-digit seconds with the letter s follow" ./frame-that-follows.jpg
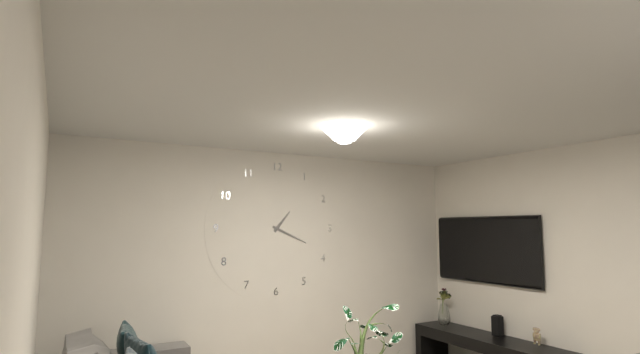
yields 1h19
